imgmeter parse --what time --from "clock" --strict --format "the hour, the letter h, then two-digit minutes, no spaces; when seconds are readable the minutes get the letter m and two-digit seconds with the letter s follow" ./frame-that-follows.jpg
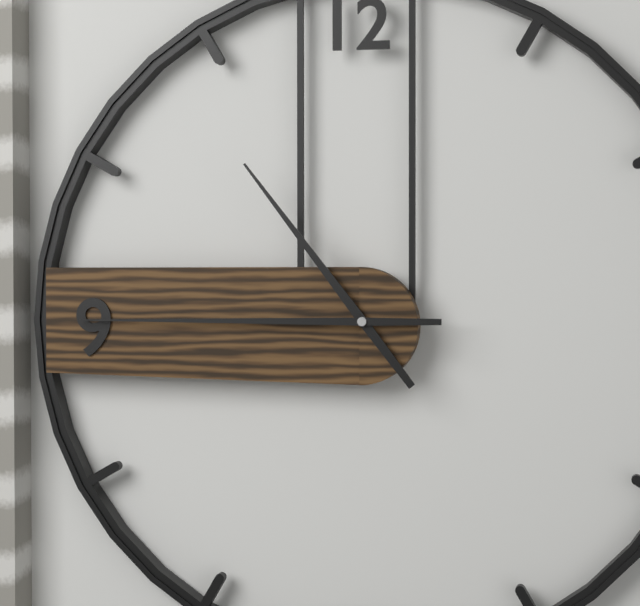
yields 10h45
